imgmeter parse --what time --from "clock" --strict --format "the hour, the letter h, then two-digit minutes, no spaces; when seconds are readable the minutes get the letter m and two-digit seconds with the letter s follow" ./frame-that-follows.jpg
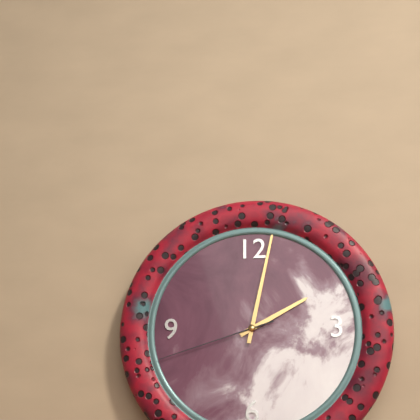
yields 2h02m42s
